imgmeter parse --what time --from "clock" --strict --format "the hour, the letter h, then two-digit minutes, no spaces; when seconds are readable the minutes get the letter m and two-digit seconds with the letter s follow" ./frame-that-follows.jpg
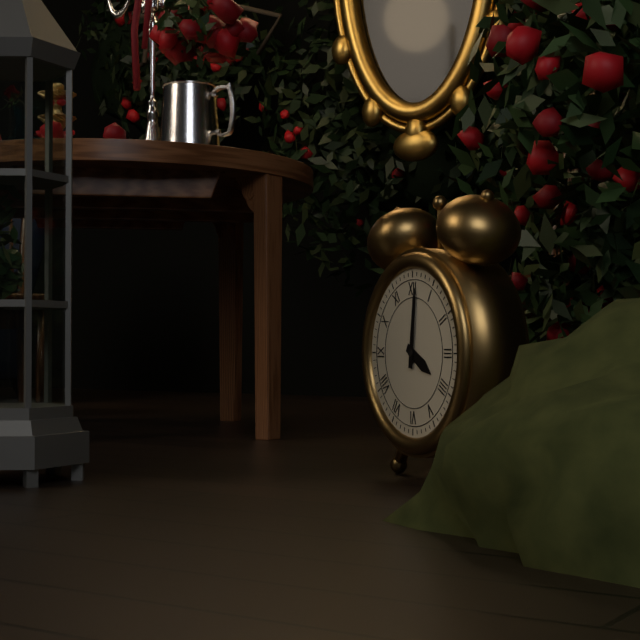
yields 4h01
